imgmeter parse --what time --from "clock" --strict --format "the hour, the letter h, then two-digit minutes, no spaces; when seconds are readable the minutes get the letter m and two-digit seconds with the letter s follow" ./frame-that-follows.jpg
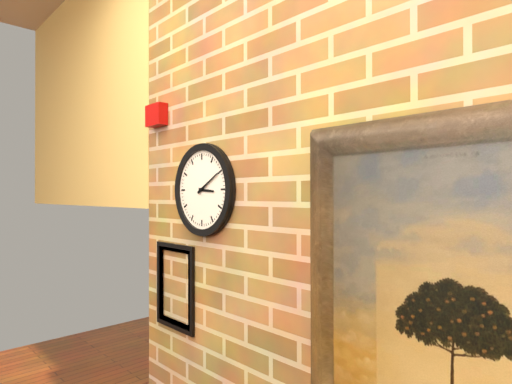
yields 3h10
